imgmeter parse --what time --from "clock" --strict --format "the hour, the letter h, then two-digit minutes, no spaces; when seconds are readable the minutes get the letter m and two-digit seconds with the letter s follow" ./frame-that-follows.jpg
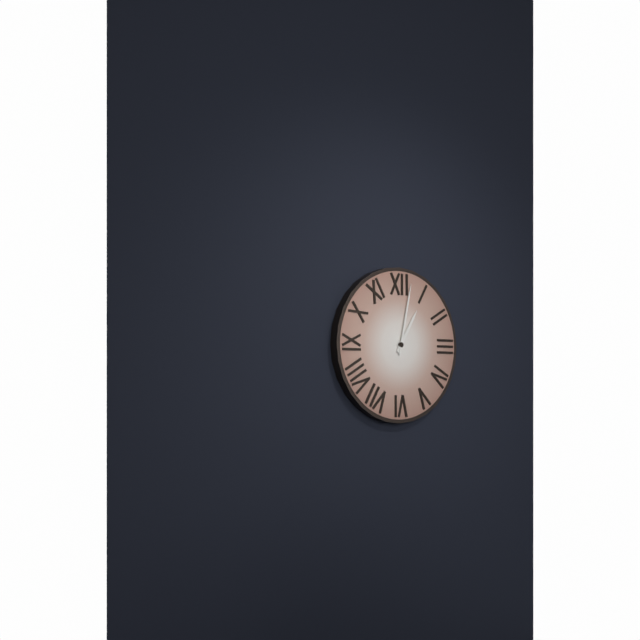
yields 1h02
